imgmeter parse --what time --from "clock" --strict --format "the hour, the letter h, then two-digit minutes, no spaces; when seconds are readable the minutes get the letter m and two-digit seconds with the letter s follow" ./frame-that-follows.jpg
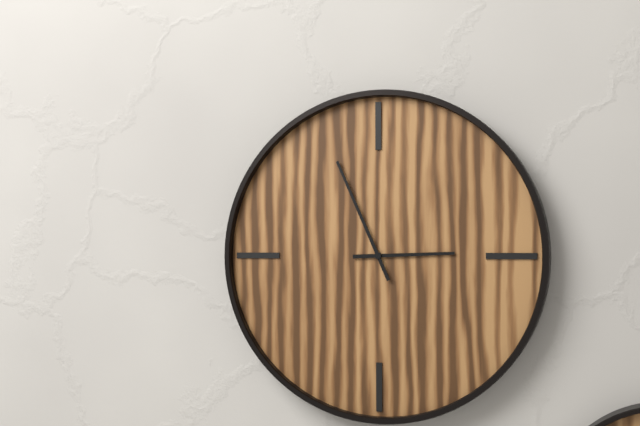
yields 2h56
